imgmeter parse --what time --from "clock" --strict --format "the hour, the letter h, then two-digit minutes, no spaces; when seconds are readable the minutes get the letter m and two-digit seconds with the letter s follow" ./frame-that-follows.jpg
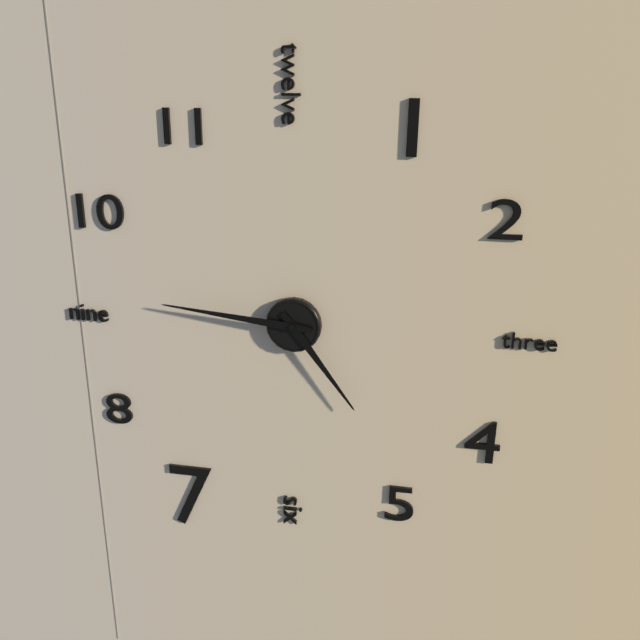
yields 4h46
